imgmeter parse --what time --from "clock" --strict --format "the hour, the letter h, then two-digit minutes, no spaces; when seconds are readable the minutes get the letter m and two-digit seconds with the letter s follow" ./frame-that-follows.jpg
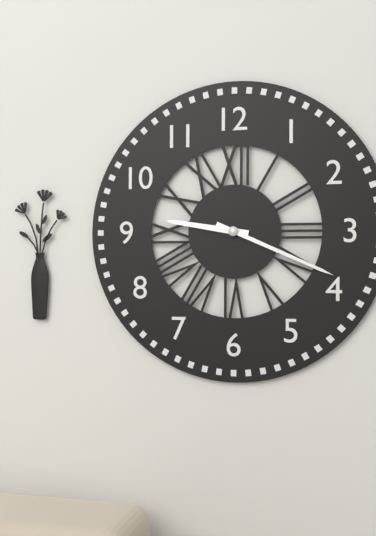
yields 9h19
